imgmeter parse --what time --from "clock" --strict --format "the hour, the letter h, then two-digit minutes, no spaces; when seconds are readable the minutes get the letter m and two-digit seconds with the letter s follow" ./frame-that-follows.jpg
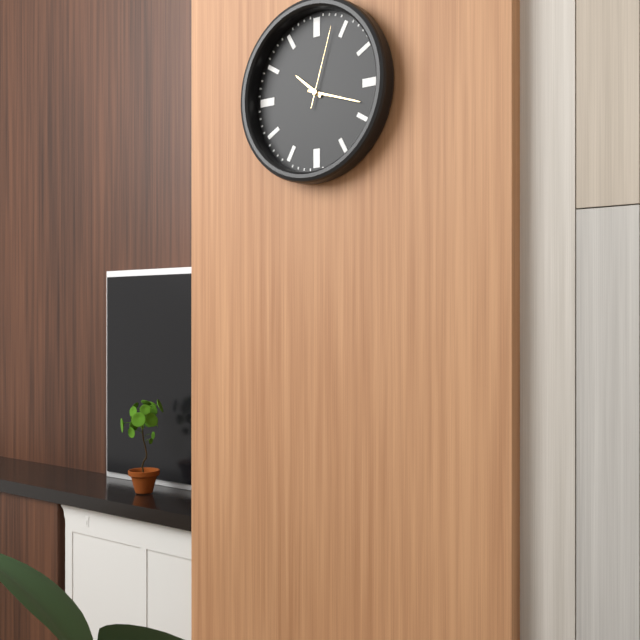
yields 10h18m03s
